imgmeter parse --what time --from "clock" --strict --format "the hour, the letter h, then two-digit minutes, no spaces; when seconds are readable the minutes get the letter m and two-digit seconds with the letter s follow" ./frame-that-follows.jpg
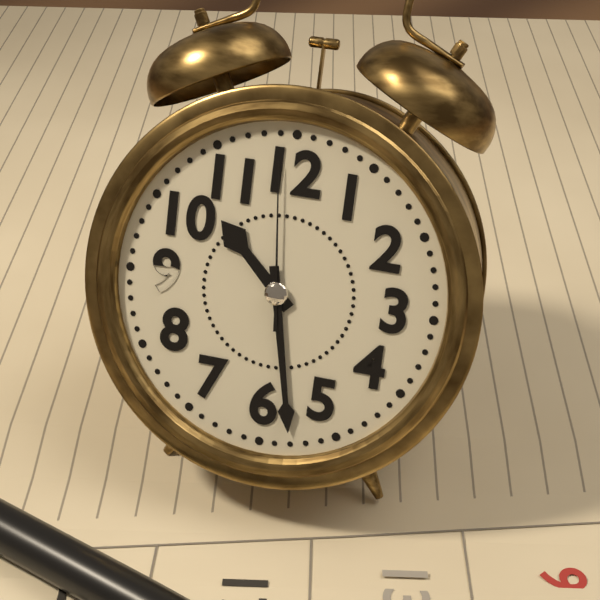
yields 10h28m59s
